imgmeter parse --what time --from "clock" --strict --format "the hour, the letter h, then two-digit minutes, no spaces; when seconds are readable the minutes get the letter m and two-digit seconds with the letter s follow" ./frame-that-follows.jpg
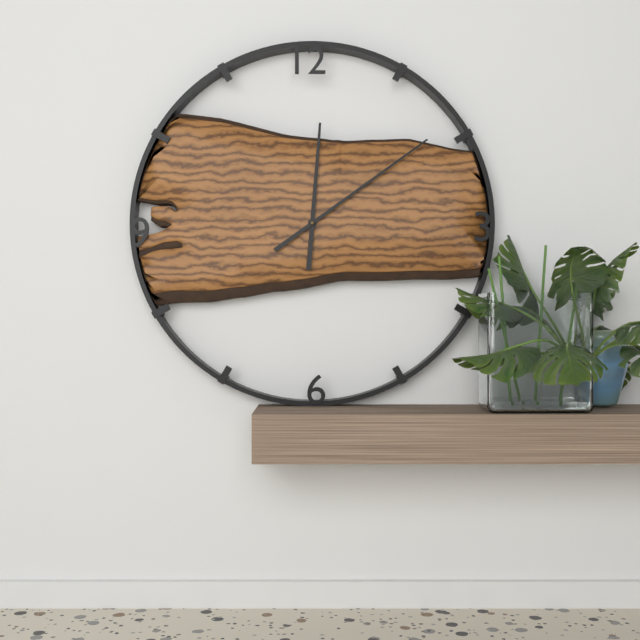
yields 12h09
